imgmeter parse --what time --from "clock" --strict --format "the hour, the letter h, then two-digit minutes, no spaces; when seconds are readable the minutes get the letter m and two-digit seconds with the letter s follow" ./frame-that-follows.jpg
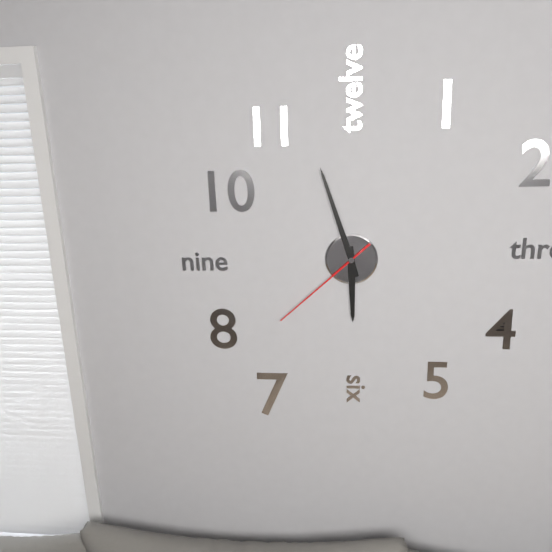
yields 5h57m38s
